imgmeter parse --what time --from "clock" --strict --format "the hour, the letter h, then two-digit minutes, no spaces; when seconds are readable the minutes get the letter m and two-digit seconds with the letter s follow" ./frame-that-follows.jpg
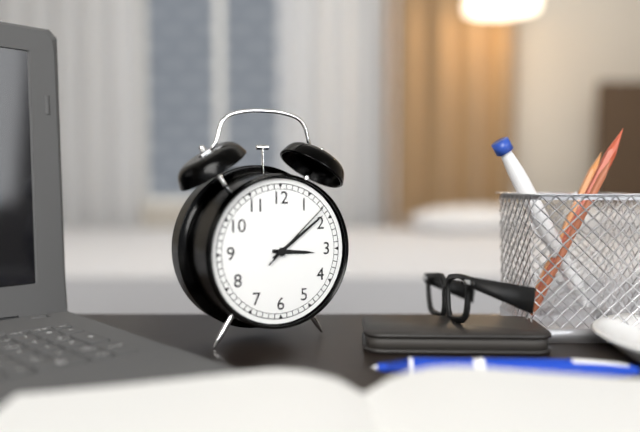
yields 3h09m08s
